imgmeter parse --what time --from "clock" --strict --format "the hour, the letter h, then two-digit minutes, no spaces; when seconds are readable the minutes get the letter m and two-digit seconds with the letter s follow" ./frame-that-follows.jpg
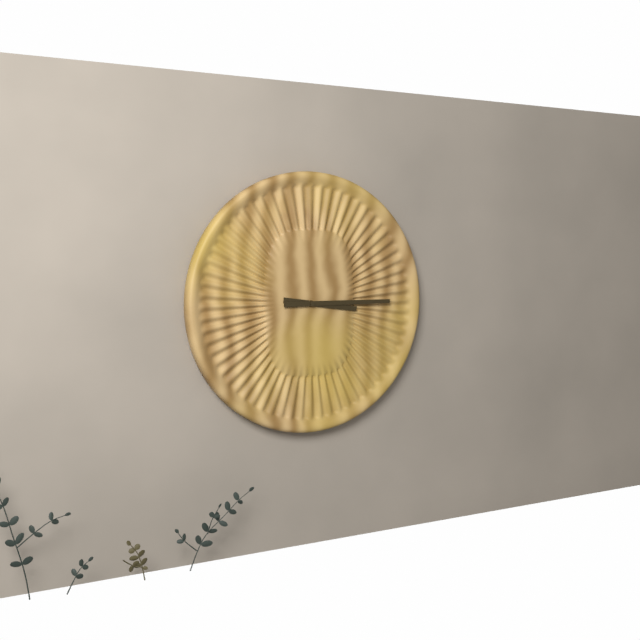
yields 3h15
